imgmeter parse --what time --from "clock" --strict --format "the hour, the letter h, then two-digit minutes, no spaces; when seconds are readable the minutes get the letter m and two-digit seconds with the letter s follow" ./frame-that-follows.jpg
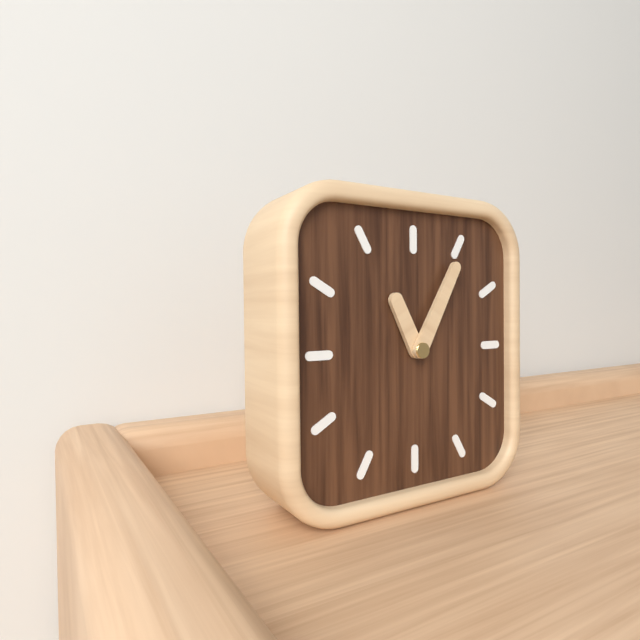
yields 11h05
